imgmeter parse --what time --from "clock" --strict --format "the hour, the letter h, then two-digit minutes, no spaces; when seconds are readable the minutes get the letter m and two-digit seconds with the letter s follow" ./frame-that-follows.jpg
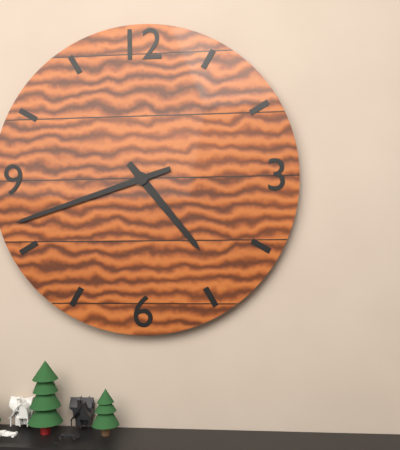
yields 4h42
